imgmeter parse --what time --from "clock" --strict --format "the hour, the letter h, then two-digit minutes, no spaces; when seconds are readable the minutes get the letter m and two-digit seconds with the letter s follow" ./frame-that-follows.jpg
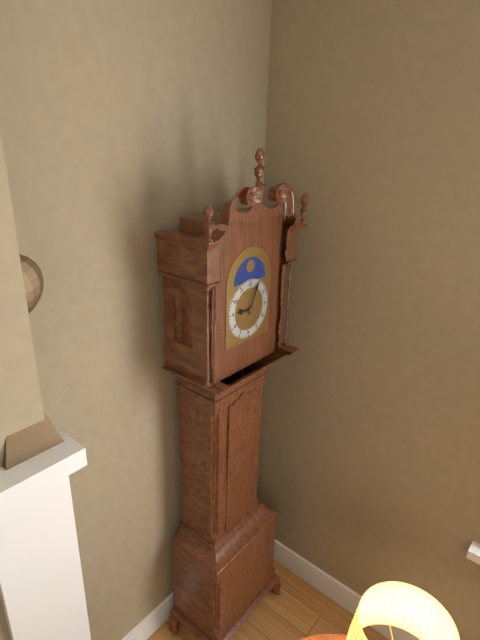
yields 9h04
